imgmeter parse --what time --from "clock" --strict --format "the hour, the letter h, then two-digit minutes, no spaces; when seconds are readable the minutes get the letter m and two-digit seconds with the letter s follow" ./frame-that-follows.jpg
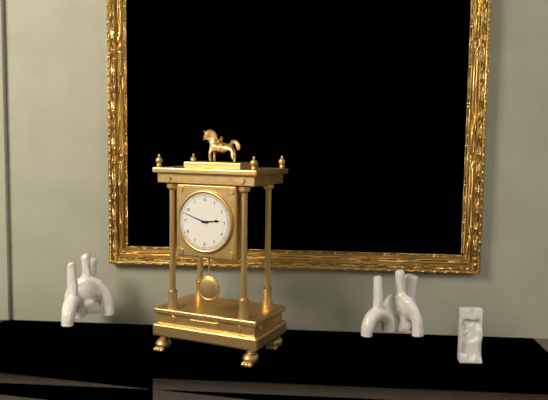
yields 2h48
